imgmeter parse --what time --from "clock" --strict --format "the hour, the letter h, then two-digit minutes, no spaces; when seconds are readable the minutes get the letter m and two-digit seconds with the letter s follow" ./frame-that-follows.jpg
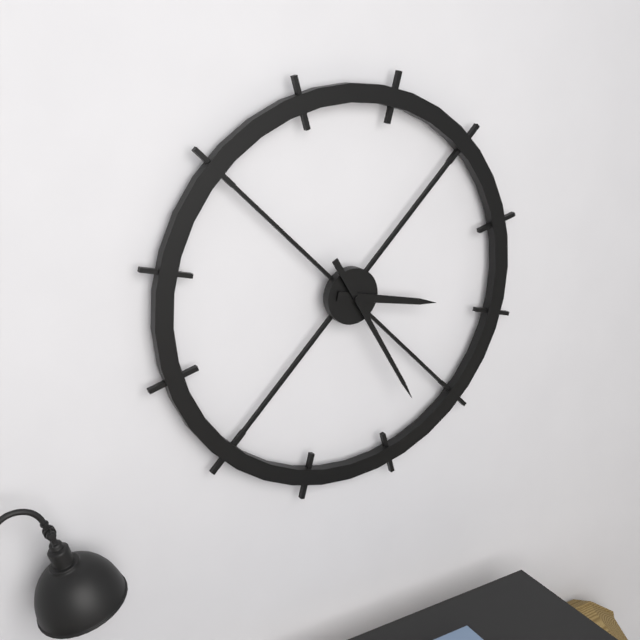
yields 3h25
